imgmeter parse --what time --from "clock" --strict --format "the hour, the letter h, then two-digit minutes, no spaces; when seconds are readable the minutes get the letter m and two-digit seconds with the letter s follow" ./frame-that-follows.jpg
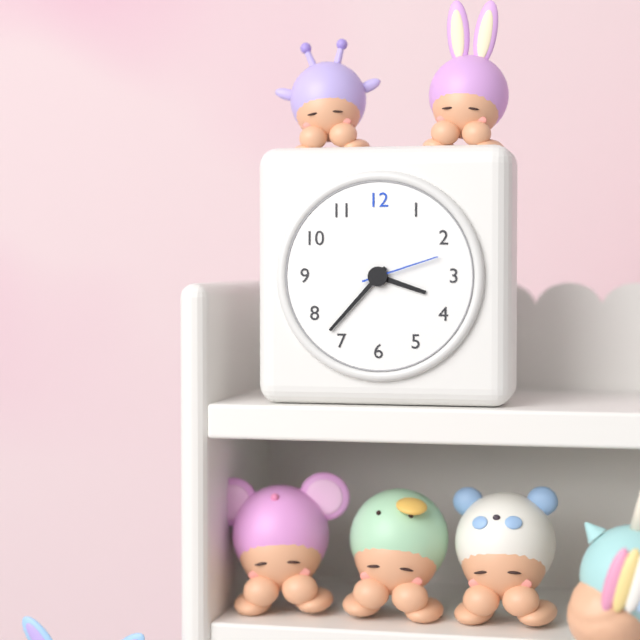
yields 3h37m12s
